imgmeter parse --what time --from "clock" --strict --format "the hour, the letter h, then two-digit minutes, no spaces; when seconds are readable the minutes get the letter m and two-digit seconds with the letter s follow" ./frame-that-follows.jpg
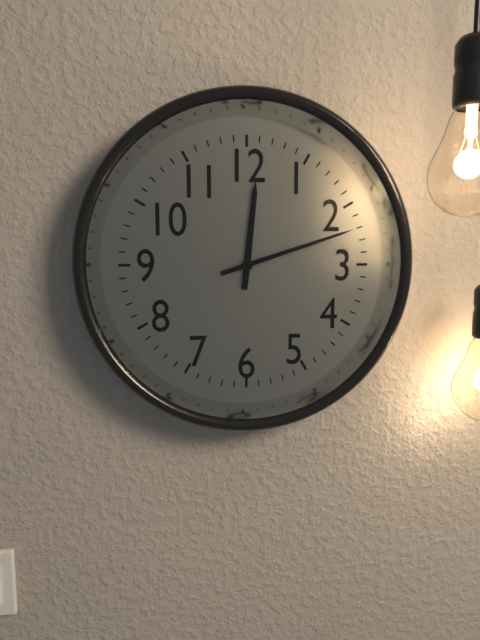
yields 12h12
